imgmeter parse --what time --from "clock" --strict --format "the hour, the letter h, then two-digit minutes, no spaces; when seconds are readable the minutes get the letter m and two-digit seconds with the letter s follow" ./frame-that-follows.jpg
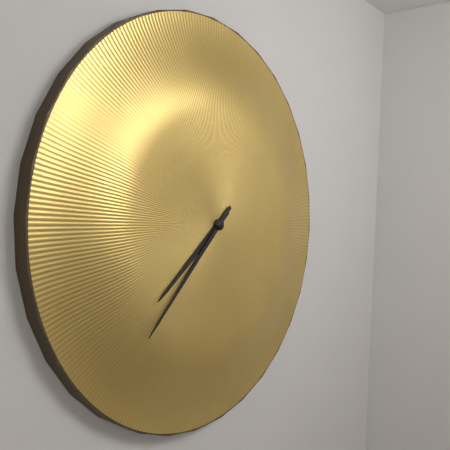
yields 7h37
